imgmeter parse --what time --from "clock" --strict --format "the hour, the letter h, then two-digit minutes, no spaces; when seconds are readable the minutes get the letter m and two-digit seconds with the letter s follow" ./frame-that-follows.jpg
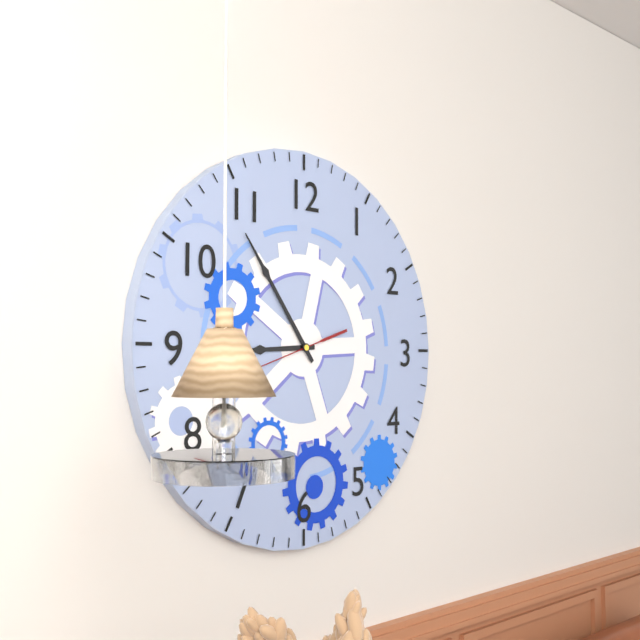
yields 8h54
